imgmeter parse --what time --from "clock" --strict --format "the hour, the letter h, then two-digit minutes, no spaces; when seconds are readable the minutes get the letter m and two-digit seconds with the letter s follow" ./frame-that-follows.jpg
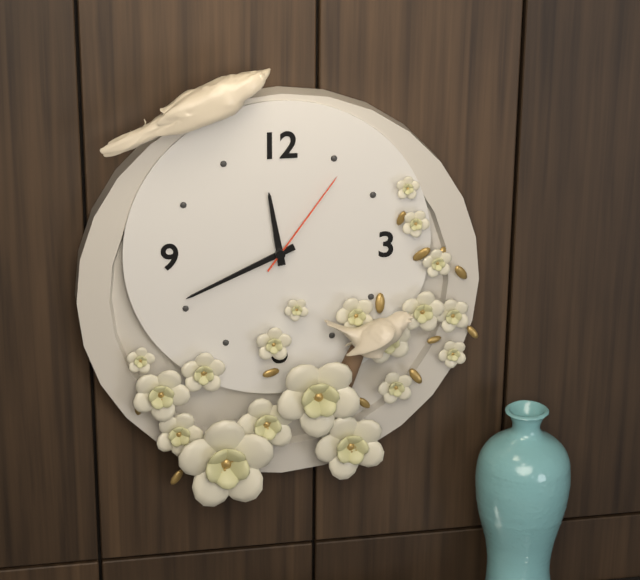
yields 11h41m06s
